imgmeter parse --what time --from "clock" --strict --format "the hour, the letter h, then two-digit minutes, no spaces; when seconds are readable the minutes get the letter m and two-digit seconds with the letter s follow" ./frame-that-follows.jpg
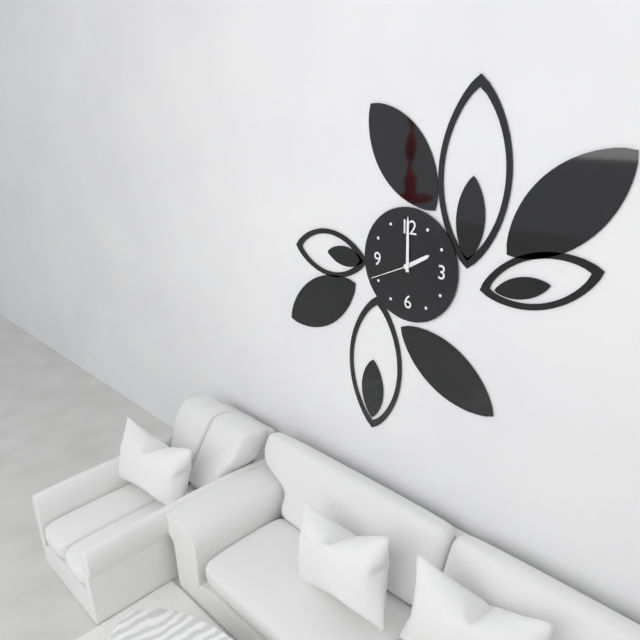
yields 2h00
